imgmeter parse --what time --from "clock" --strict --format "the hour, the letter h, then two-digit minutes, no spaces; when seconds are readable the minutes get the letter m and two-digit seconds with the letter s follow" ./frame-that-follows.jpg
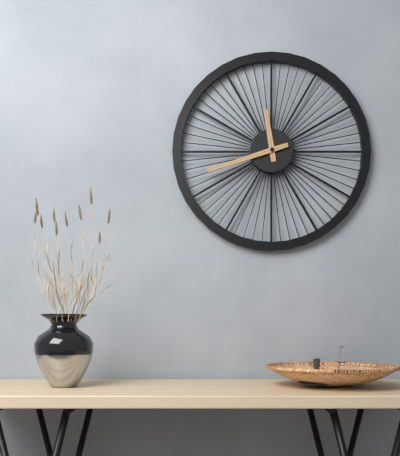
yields 11h42
